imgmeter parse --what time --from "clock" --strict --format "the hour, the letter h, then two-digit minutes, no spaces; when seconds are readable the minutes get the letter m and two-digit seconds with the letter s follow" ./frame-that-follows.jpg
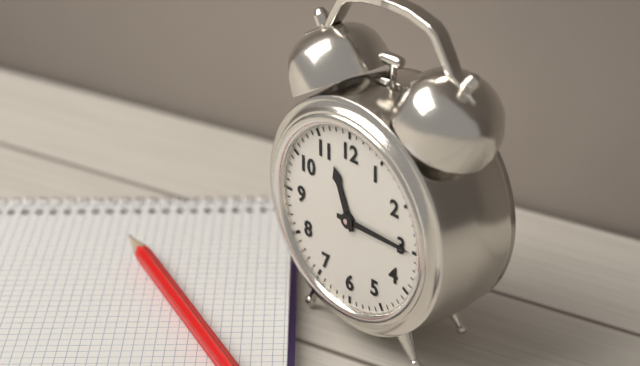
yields 11h15
